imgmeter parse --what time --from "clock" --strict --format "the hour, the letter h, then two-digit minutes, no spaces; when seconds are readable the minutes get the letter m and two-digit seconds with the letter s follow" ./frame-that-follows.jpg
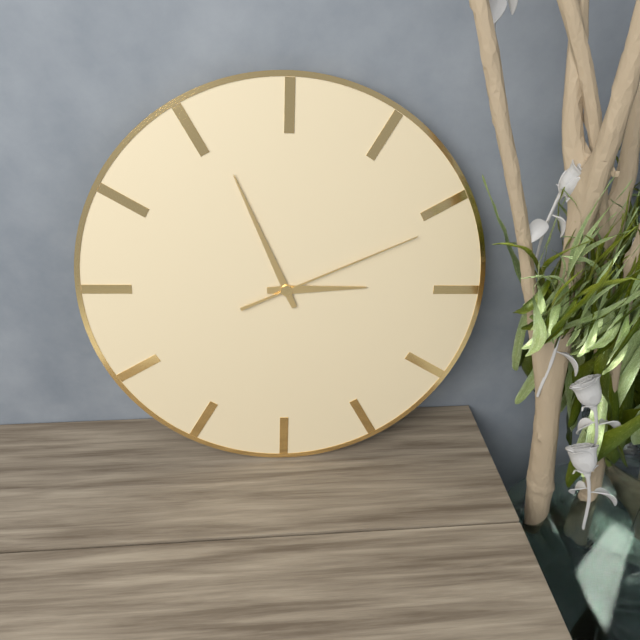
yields 2h56m11s
